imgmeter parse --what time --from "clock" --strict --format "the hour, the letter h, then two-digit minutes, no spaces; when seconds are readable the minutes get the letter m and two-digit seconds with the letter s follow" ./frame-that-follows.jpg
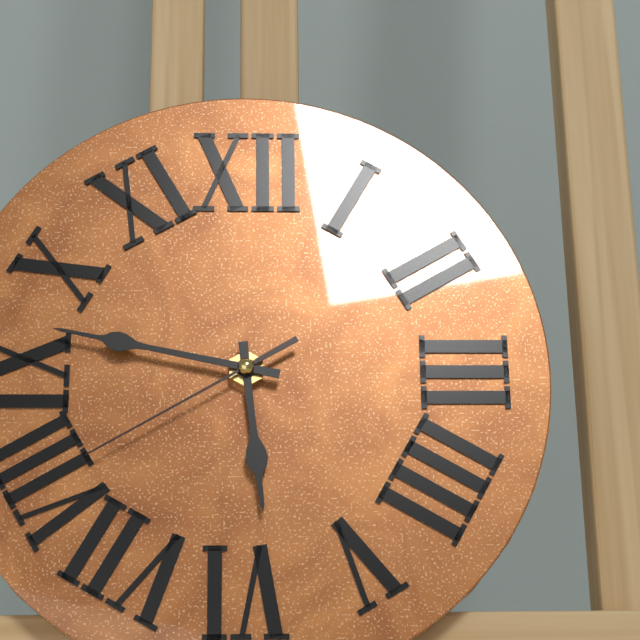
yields 5h47m40s
